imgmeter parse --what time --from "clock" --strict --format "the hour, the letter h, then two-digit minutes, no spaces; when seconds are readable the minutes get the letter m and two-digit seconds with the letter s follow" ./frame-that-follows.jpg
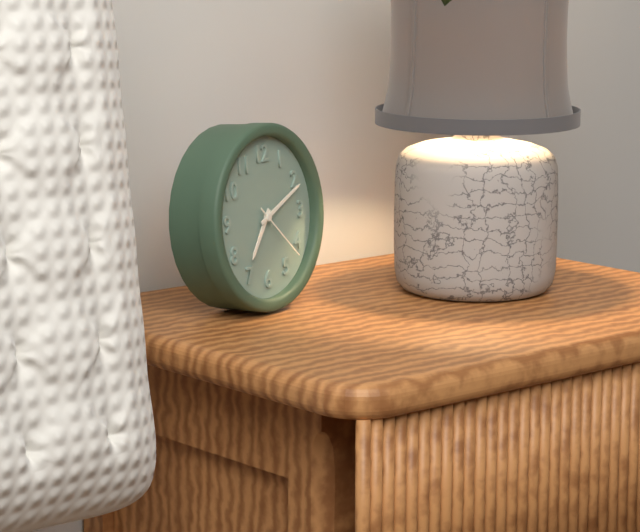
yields 7h11m22s
